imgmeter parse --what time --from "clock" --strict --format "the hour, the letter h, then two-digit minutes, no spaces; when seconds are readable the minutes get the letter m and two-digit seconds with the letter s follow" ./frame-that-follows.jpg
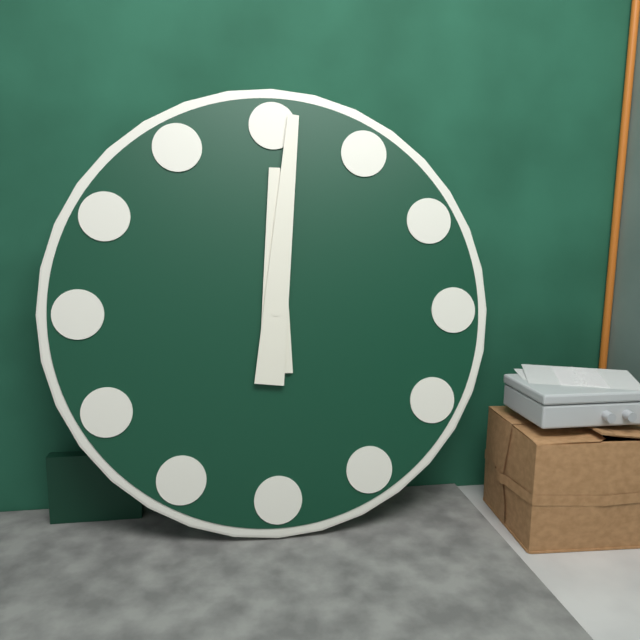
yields 12h01
